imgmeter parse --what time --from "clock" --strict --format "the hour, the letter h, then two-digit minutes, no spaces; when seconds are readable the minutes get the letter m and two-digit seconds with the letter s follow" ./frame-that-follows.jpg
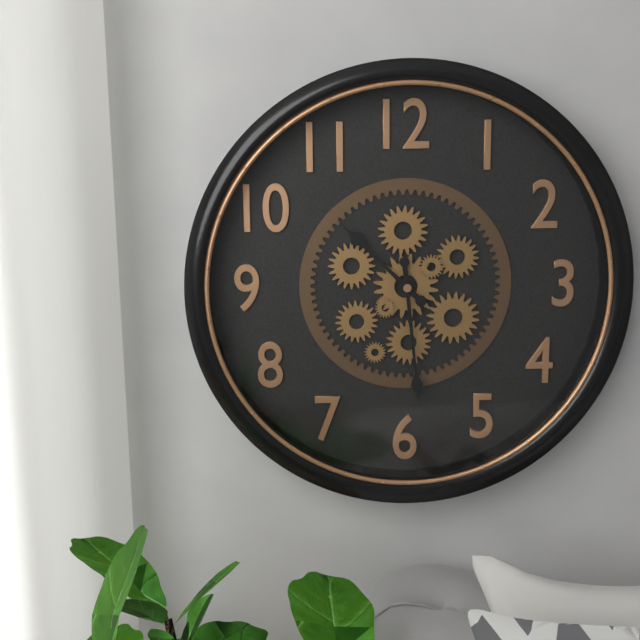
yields 10h29
